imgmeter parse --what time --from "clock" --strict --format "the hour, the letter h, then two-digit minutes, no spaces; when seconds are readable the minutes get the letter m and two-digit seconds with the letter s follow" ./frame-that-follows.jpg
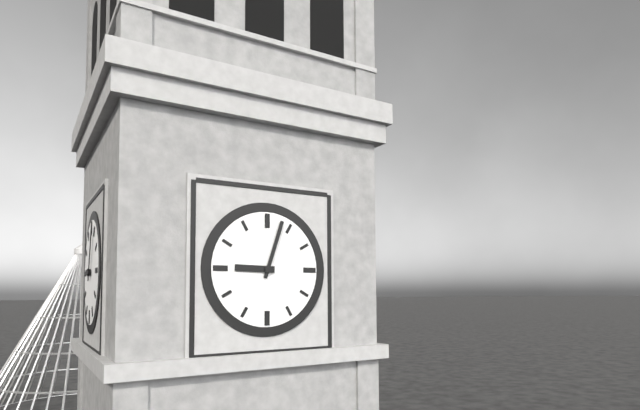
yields 9h03
